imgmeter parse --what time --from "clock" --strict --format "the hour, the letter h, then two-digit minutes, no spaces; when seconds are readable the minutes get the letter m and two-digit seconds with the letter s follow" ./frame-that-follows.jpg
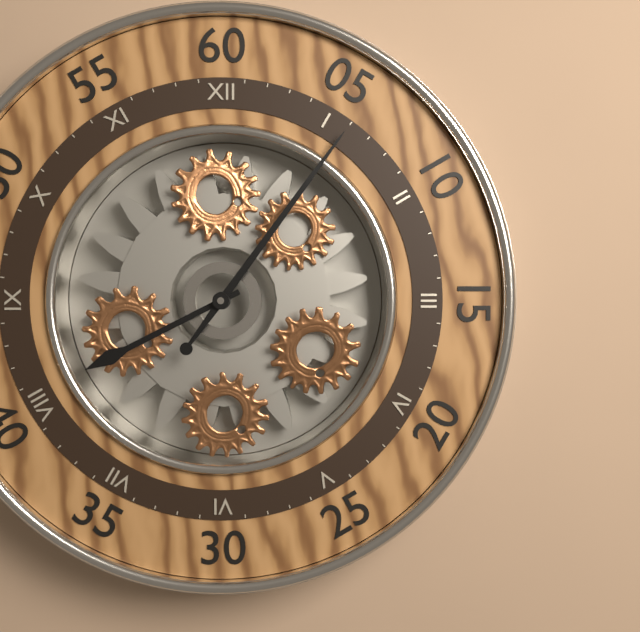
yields 8h06
